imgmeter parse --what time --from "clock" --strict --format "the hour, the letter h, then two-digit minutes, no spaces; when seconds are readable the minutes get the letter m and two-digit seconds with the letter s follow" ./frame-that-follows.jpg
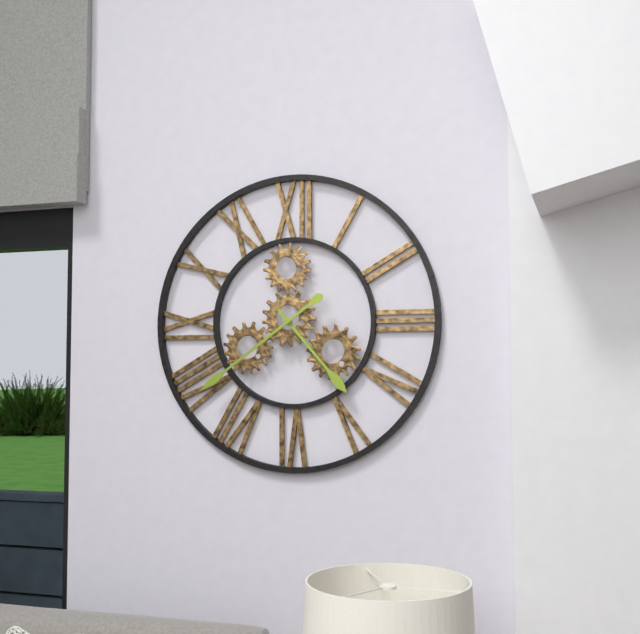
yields 4h39
